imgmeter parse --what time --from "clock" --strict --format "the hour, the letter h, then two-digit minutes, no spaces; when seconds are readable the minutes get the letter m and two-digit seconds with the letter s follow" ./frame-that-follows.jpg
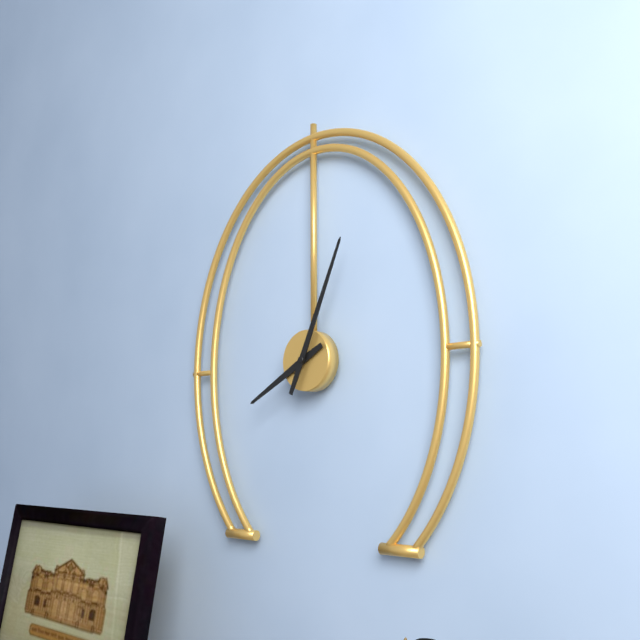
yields 8h04
